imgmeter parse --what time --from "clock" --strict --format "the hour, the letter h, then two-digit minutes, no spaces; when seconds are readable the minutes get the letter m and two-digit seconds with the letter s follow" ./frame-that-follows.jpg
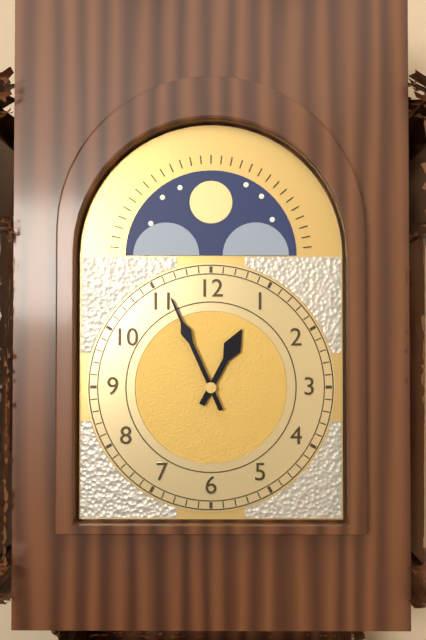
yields 12h56
